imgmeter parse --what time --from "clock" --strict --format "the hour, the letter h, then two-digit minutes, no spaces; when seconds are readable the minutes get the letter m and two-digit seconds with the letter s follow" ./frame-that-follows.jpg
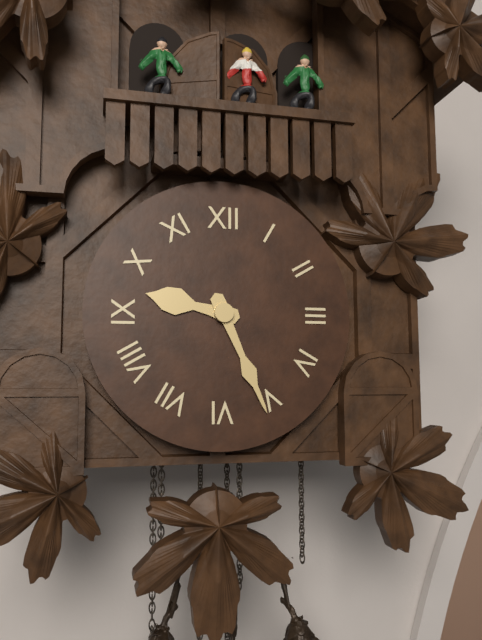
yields 9h26
